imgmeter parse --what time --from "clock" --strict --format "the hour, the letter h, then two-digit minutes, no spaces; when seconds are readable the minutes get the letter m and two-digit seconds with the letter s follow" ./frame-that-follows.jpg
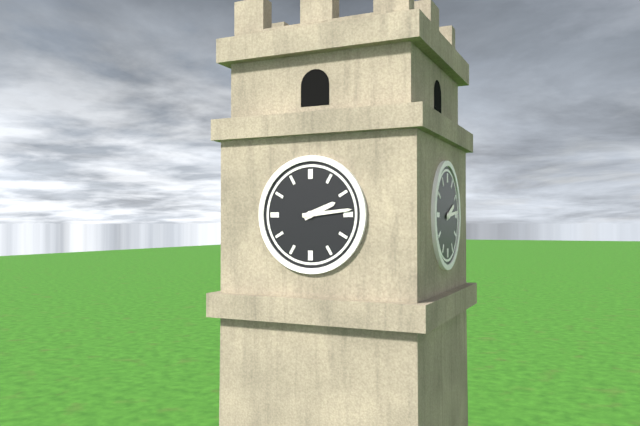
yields 2h14
